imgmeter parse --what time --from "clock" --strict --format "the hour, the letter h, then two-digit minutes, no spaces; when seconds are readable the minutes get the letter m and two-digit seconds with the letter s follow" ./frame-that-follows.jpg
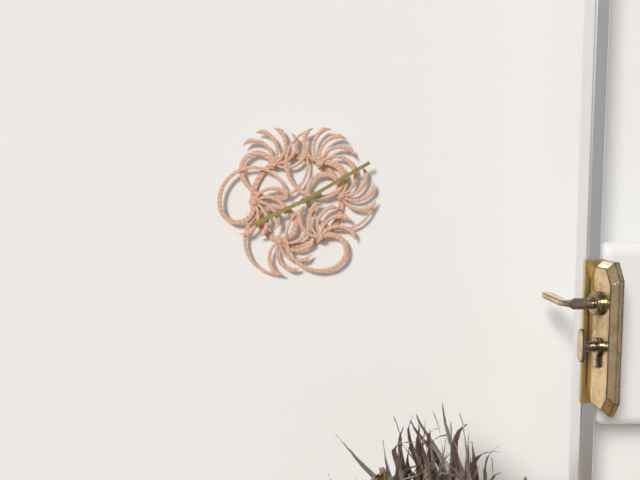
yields 8h10
